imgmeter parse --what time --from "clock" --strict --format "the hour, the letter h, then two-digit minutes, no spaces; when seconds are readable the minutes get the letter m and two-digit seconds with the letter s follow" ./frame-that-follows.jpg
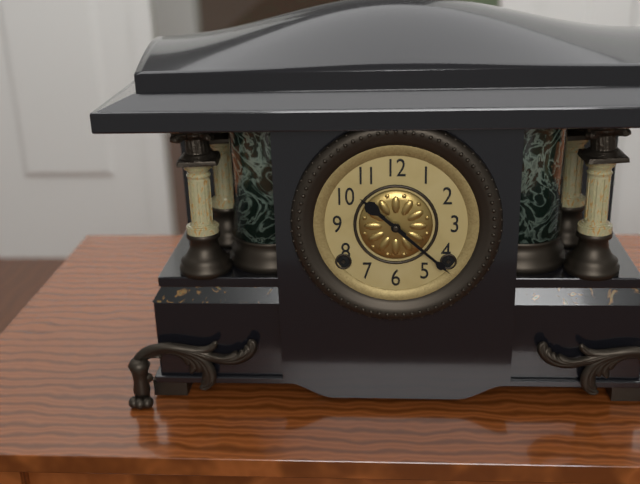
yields 10h22
